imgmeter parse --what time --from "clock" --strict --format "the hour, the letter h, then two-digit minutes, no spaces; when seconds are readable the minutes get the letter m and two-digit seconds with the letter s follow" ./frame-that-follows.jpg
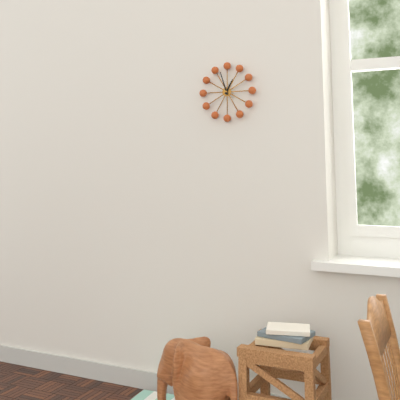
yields 12h57
